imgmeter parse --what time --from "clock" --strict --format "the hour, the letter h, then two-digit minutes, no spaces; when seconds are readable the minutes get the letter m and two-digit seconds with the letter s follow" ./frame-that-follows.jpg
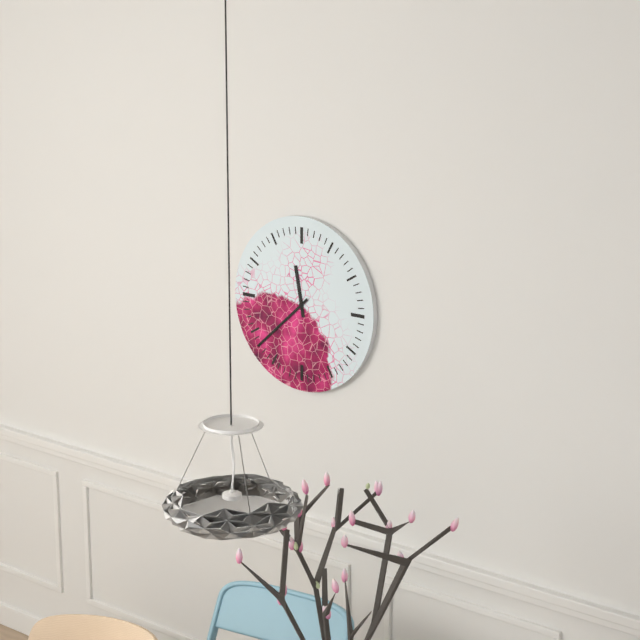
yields 11h38
